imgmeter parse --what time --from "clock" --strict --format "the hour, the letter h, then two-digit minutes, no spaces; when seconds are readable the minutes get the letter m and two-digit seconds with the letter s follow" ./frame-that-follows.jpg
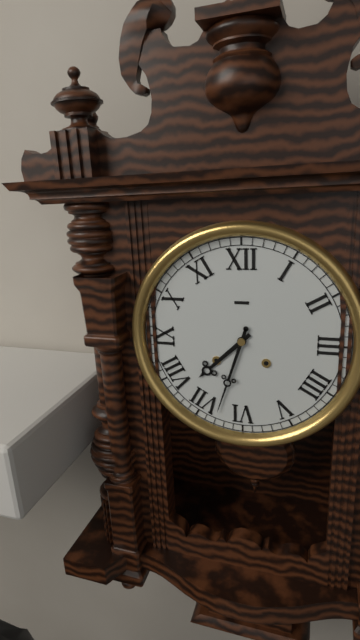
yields 7h33
